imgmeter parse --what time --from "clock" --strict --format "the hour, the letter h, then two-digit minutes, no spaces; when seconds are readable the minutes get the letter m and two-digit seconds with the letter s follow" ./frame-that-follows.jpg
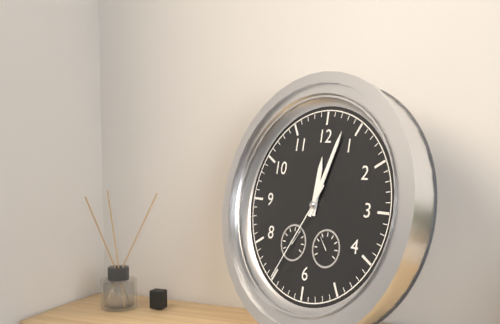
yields 12h03m35s
